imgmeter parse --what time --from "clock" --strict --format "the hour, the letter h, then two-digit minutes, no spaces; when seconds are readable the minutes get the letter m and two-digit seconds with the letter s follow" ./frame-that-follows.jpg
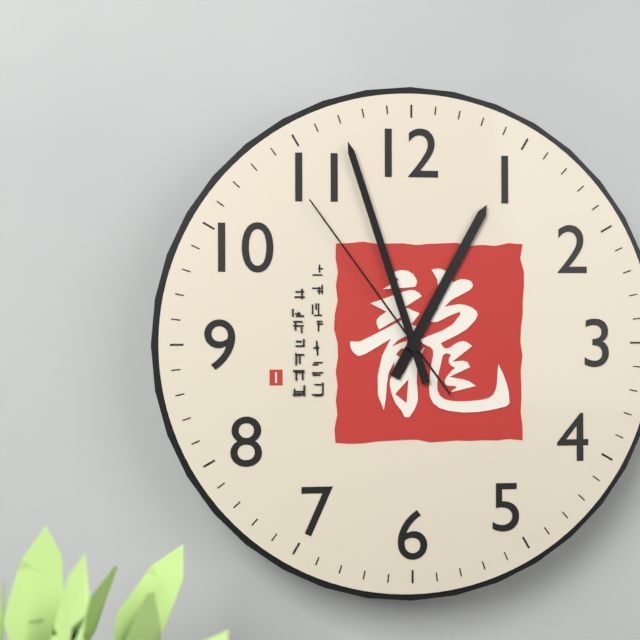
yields 12h57m54s
